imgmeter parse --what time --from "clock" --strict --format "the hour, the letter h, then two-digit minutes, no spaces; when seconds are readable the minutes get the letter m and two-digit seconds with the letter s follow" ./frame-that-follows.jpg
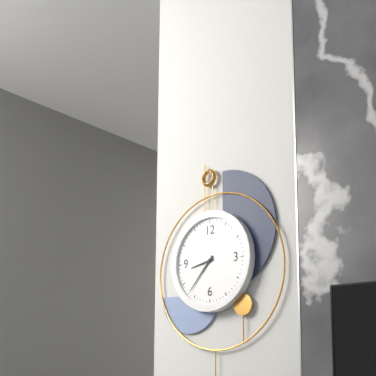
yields 8h37
